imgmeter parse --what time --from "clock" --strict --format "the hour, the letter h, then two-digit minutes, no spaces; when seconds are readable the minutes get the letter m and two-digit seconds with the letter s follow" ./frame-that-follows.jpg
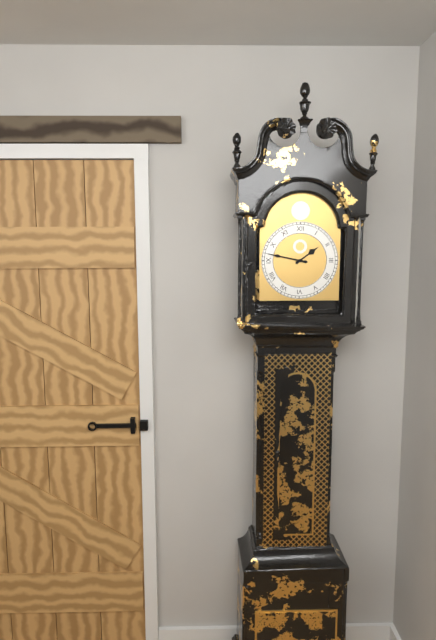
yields 1h47
